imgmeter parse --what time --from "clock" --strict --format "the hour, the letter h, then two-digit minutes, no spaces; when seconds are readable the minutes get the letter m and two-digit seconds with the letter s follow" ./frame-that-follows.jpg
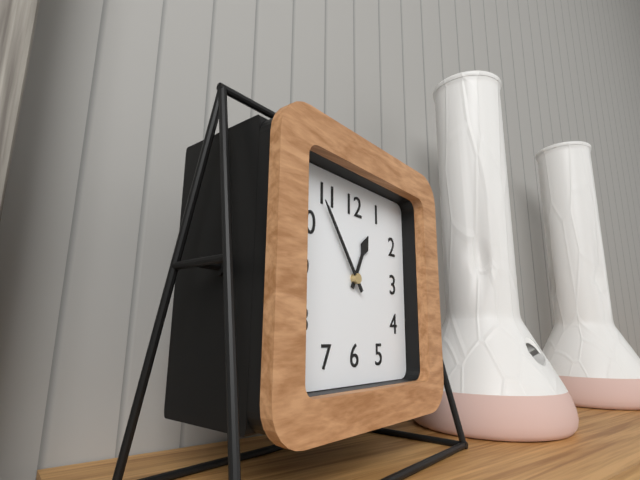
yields 12h54
